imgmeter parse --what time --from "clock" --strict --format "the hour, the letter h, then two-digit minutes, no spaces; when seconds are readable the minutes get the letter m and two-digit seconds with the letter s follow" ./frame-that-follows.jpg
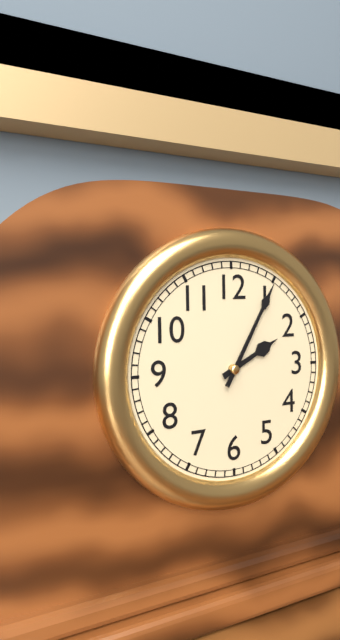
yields 2h05
